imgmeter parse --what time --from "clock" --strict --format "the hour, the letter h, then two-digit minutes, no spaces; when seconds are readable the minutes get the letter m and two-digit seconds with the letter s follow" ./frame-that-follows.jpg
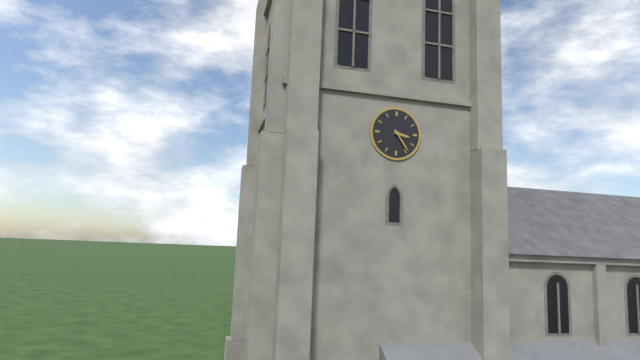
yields 3h24
